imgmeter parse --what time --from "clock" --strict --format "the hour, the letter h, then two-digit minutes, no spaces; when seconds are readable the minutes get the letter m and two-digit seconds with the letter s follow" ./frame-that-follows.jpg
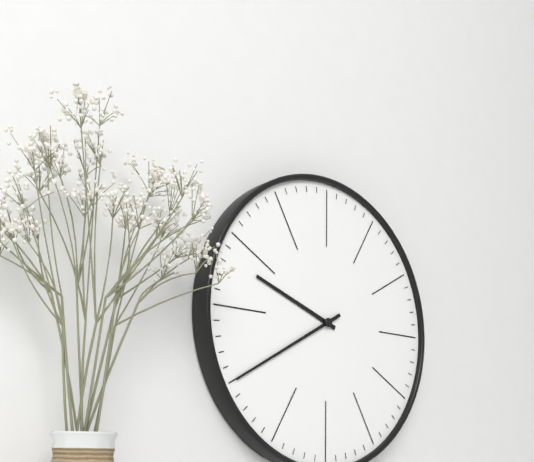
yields 9h40
